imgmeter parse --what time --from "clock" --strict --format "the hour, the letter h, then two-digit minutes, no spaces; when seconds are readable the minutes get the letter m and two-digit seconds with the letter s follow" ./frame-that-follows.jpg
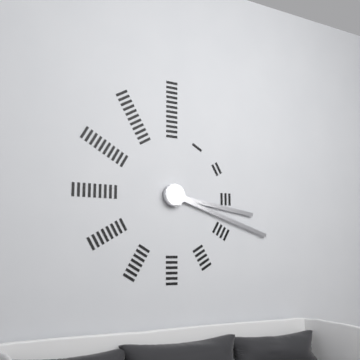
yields 3h18
